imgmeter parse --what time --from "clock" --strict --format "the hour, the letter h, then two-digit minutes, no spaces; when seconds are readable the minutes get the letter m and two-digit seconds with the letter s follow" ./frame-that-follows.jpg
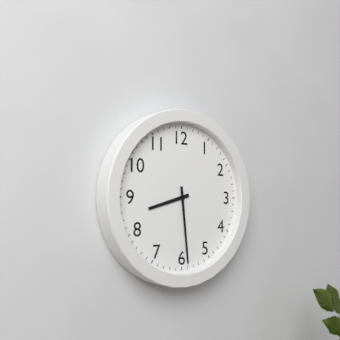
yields 8h29
